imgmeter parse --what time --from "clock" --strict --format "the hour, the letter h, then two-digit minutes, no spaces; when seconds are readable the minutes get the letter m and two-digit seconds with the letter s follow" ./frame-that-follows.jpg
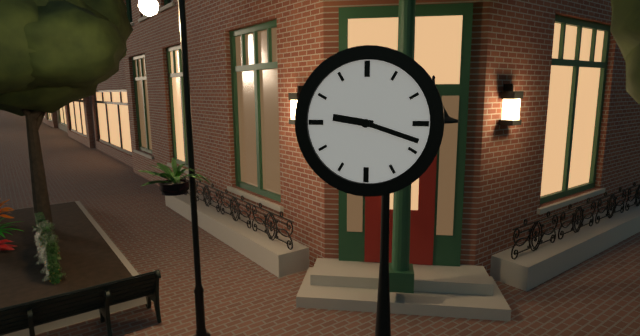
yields 9h18
